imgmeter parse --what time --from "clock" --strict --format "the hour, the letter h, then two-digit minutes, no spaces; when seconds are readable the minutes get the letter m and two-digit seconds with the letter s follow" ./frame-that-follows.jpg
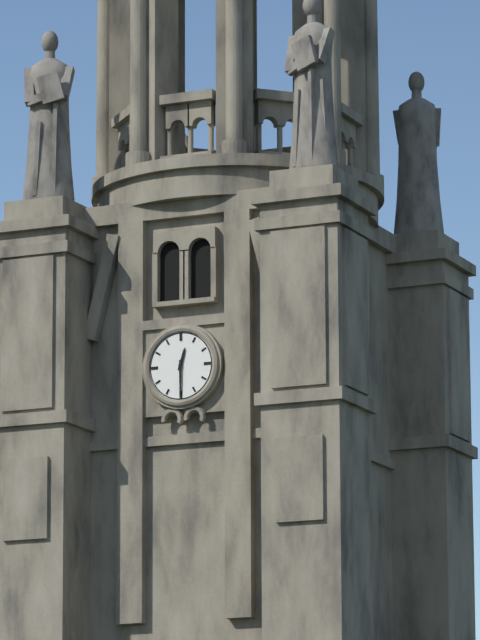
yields 12h30
